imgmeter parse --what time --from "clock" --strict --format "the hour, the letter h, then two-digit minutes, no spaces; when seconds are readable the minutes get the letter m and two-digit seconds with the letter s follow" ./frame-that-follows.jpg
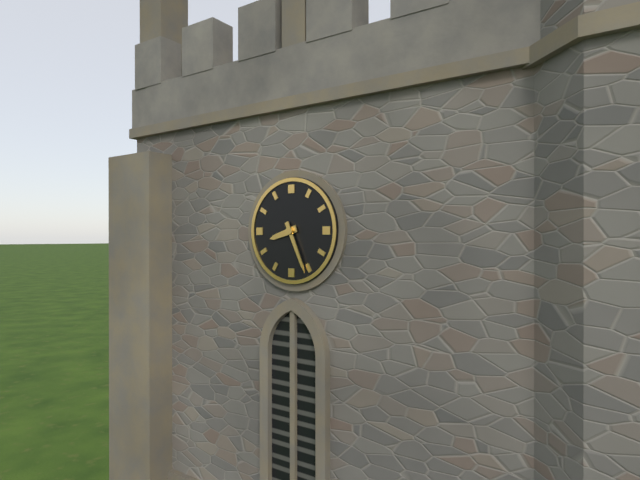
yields 8h26
